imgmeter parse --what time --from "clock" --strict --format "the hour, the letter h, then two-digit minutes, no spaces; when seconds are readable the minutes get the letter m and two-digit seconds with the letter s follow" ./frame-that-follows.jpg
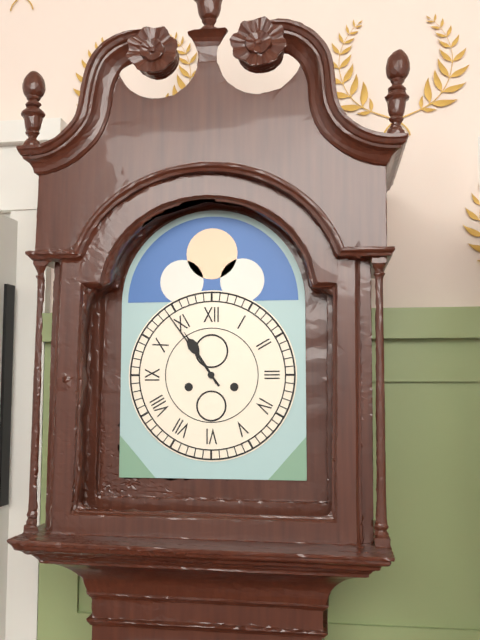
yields 10h54
